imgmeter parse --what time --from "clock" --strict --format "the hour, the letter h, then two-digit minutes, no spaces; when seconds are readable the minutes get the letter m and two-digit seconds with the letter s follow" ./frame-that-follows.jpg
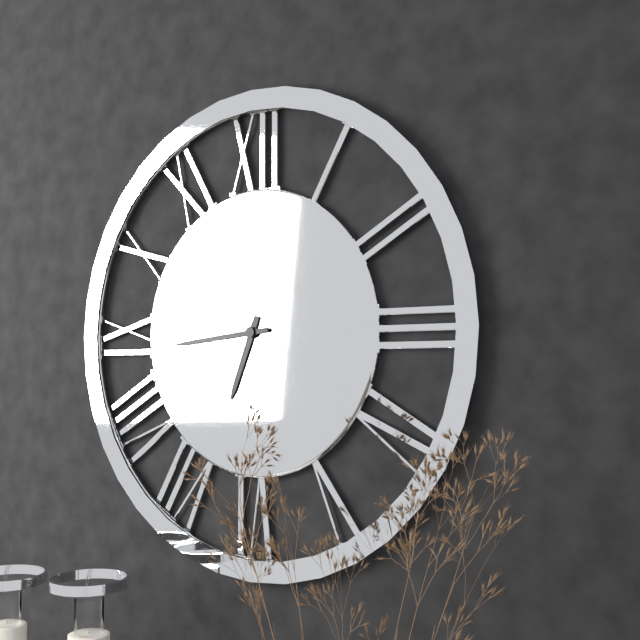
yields 6h44
